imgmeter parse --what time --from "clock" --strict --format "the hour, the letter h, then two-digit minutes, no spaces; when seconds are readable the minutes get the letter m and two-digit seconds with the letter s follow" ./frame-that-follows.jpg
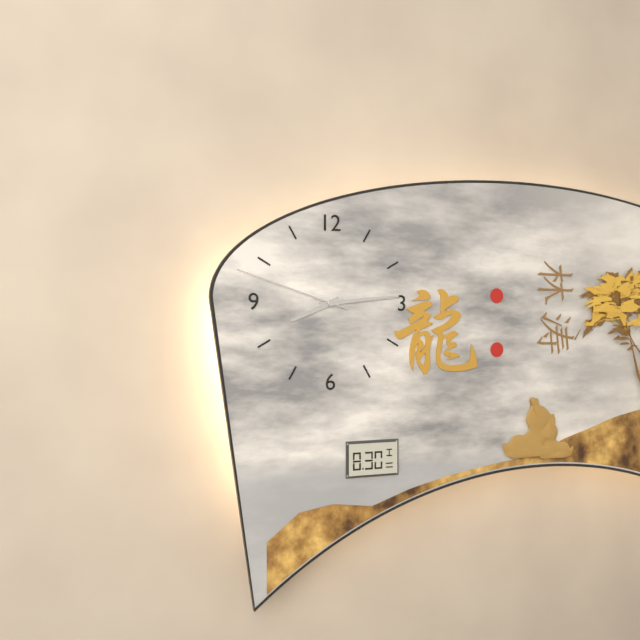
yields 8h14m48s
